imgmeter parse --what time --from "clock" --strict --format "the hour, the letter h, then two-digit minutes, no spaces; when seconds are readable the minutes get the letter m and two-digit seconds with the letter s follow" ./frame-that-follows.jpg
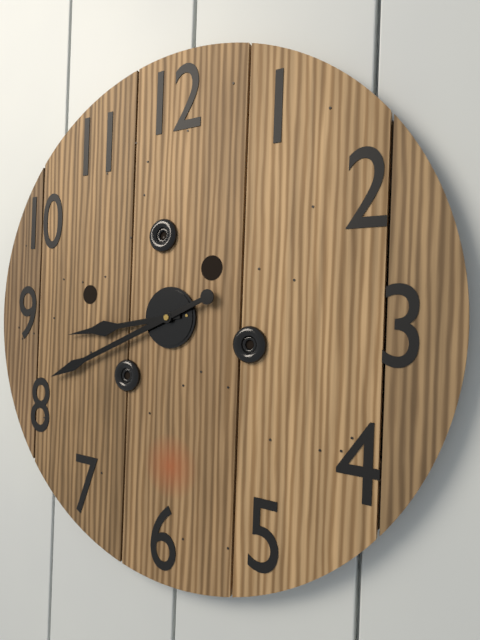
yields 8h41
